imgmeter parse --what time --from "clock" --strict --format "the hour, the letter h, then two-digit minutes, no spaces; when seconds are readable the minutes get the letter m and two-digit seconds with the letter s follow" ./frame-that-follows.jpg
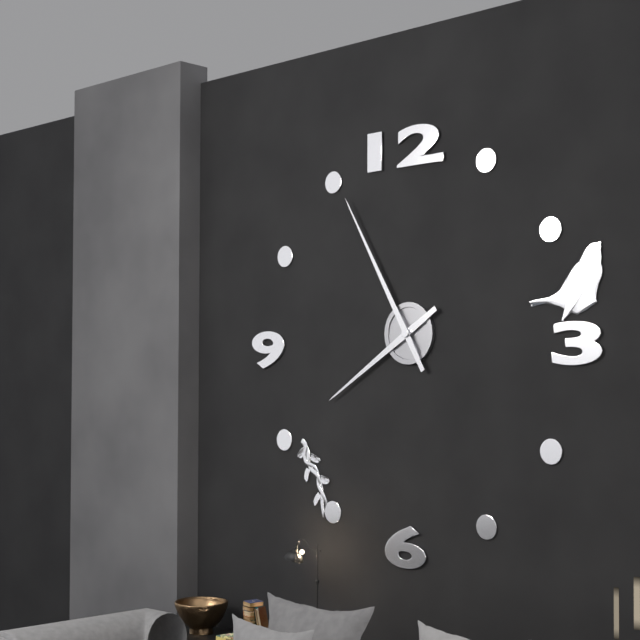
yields 7h55
